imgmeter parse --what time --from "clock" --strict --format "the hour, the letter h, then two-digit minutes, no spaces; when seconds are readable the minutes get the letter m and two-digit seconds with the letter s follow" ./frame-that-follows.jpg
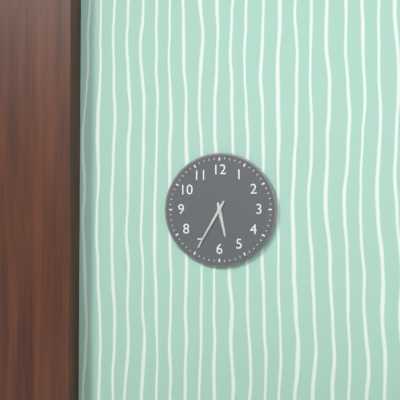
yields 5h35
